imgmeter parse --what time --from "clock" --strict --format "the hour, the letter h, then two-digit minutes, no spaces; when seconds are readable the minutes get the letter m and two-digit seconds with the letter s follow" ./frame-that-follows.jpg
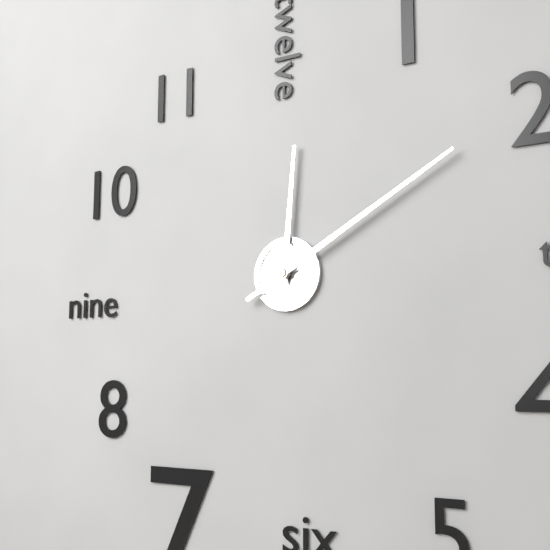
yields 12h10
